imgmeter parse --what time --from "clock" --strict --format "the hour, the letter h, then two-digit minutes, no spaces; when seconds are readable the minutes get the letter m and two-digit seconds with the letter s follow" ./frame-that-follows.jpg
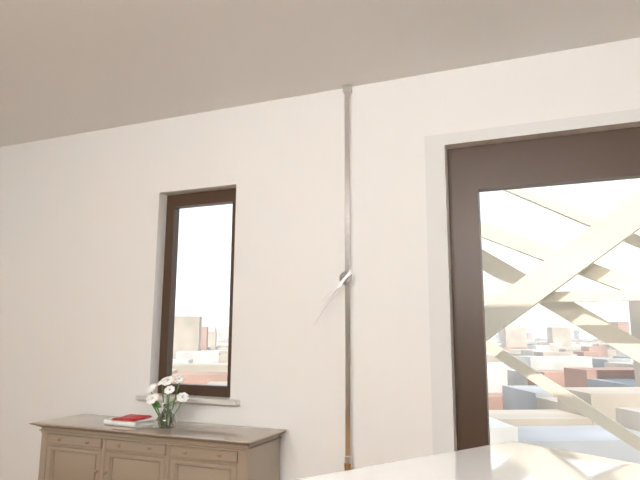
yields 7h36
